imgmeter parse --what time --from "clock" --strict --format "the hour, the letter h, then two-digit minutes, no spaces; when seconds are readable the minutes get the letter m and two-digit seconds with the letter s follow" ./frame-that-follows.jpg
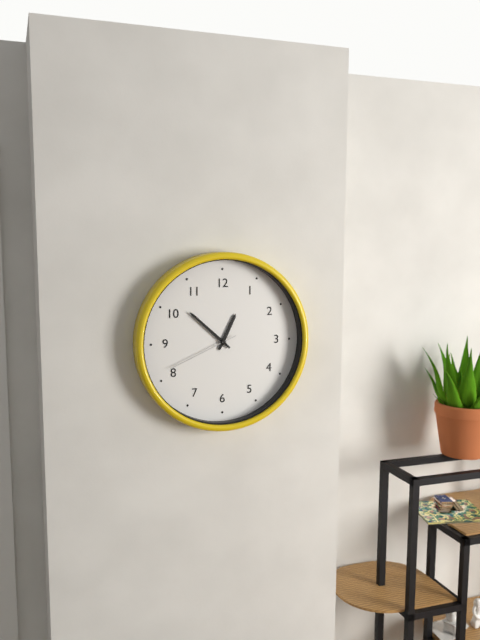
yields 12h52m41s
